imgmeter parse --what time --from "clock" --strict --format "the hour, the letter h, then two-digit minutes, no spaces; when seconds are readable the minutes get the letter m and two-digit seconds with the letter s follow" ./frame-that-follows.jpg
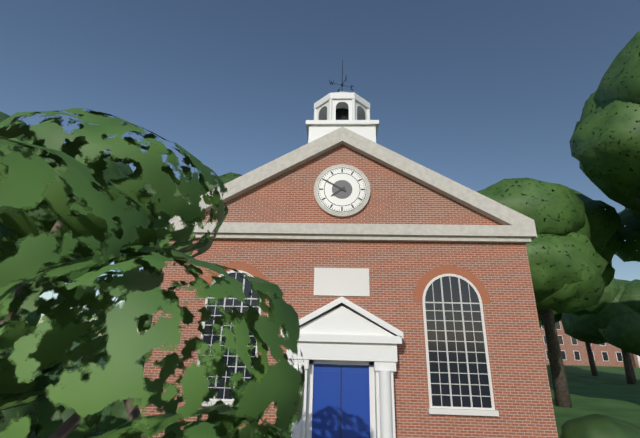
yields 7h50
